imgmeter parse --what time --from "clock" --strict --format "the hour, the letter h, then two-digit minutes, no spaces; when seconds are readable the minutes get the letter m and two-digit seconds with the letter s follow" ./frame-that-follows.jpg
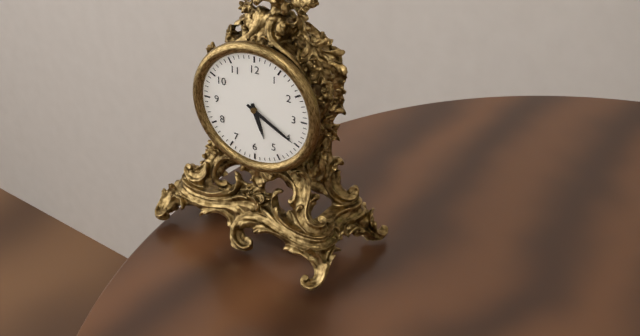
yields 5h20
